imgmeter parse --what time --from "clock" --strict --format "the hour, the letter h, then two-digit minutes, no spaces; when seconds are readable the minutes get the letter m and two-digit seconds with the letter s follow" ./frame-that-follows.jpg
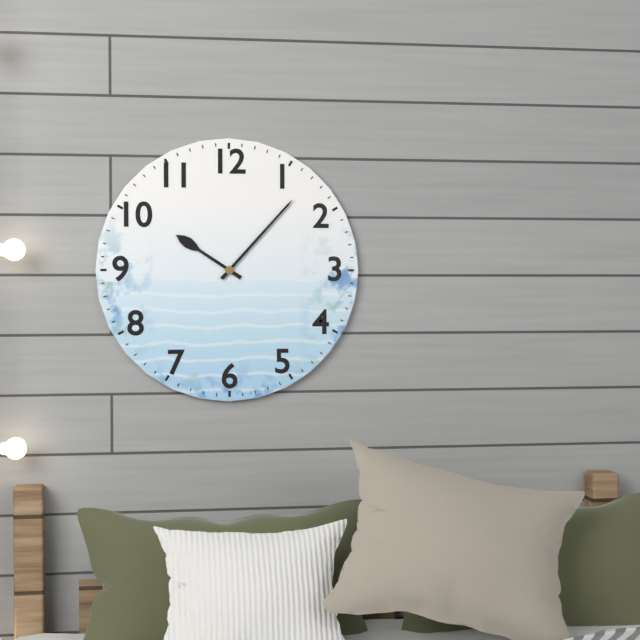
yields 10h07
